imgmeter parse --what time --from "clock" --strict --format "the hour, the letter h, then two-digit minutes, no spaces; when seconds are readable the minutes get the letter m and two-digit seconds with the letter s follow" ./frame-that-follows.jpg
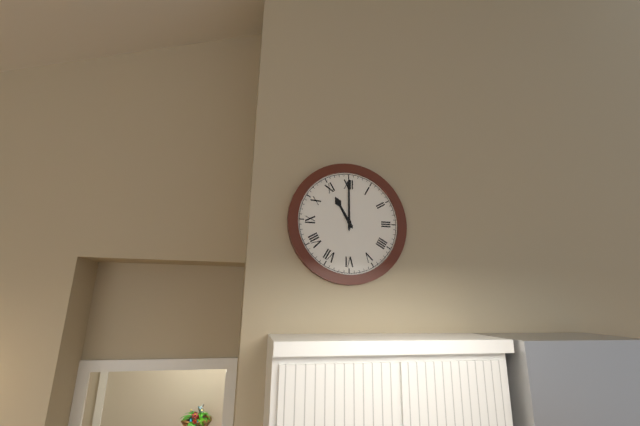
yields 11h00
